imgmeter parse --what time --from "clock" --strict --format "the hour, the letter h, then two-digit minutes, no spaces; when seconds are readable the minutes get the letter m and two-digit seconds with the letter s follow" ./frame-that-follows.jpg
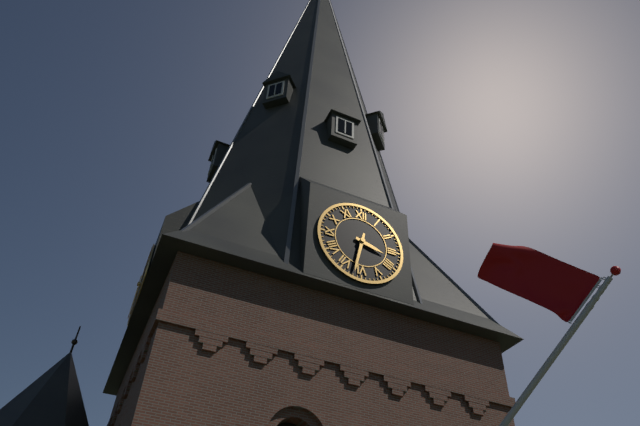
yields 3h32
